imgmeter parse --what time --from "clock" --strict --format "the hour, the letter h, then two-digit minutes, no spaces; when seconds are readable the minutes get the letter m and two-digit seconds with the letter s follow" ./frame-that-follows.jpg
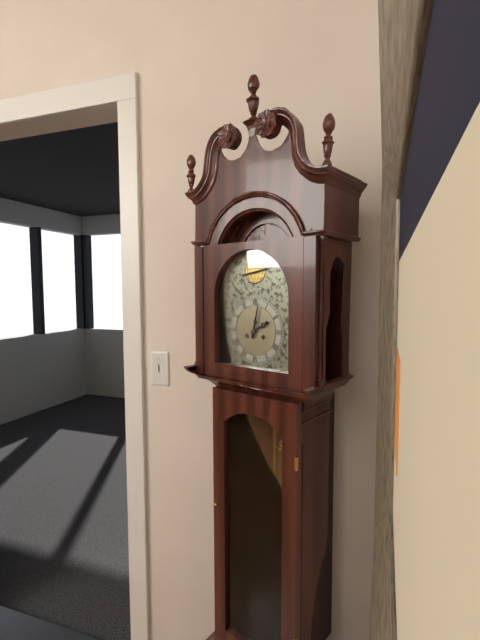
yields 2h02
